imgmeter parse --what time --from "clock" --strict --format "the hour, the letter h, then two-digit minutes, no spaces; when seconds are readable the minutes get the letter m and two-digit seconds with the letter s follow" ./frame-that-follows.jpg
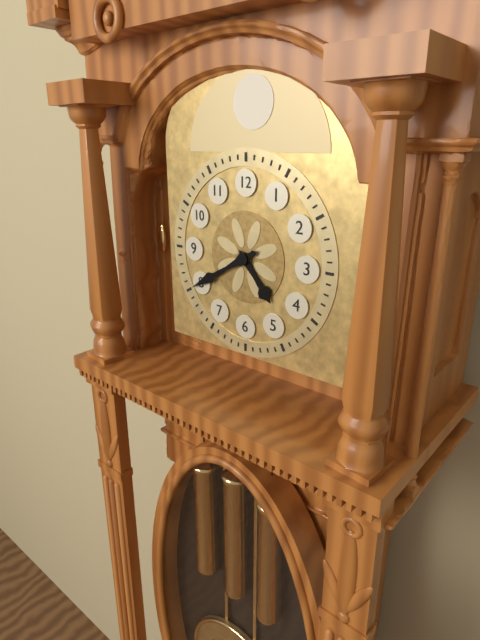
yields 4h40
